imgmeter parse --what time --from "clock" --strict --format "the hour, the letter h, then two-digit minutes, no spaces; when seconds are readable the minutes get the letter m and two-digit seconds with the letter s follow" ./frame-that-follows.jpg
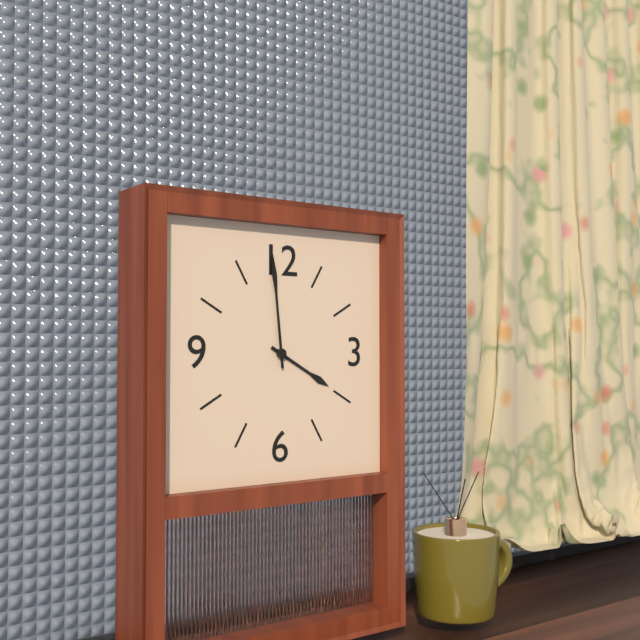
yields 3h59
